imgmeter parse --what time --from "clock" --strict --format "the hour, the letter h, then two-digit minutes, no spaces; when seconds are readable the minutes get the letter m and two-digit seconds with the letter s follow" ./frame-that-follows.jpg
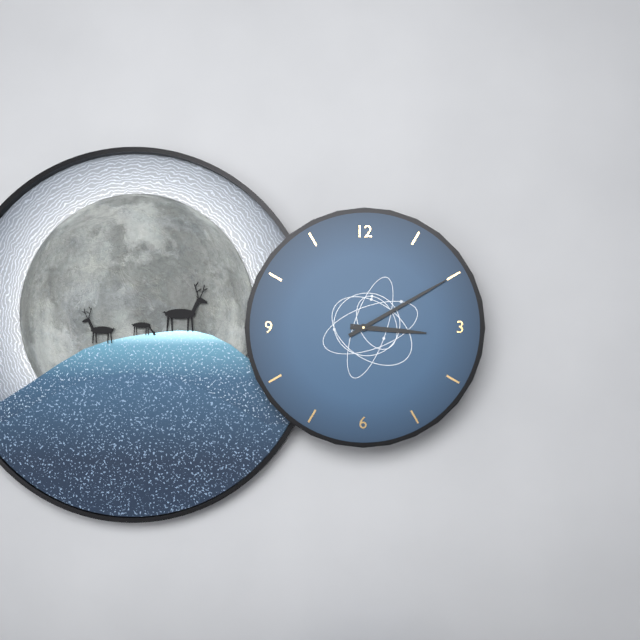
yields 3h10
